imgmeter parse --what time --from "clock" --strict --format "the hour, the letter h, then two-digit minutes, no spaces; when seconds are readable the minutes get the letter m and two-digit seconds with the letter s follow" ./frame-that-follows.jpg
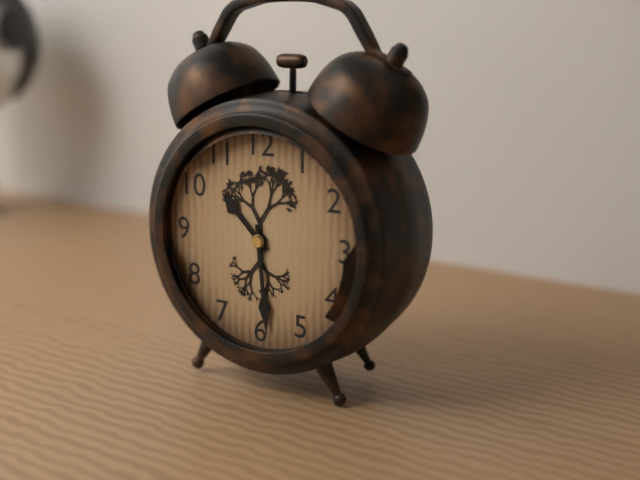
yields 10h29
